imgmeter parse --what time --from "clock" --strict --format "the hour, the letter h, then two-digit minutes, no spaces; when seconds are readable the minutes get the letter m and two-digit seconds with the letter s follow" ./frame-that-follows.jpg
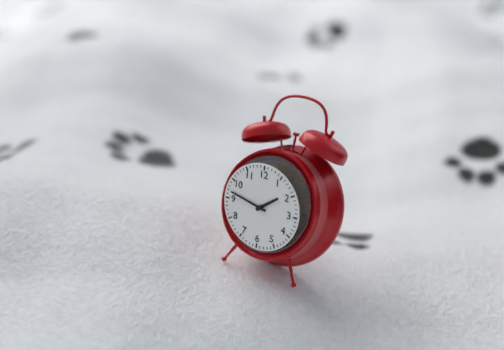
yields 1h47
